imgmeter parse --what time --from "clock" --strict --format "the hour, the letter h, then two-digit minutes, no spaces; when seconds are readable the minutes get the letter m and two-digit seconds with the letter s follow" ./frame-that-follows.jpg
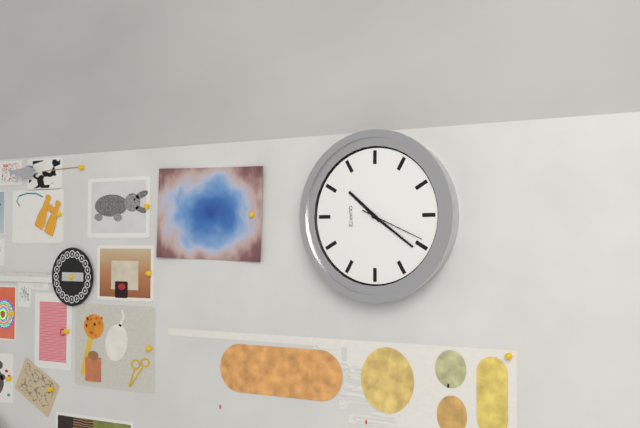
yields 10h21m19s
